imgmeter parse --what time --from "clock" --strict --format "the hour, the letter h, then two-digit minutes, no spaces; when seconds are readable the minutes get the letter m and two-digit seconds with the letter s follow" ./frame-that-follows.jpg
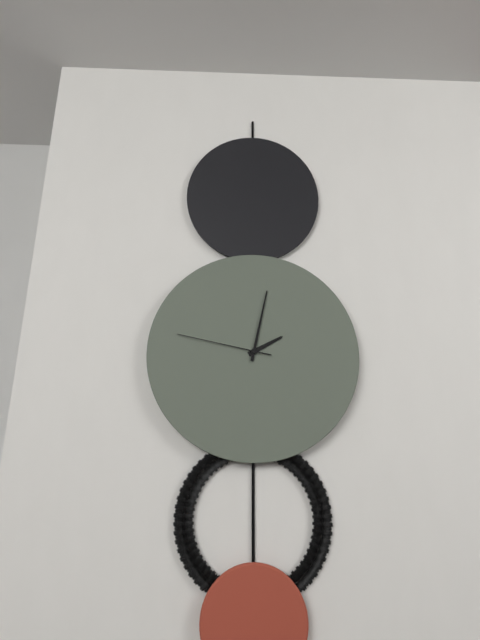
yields 2h02m47s
